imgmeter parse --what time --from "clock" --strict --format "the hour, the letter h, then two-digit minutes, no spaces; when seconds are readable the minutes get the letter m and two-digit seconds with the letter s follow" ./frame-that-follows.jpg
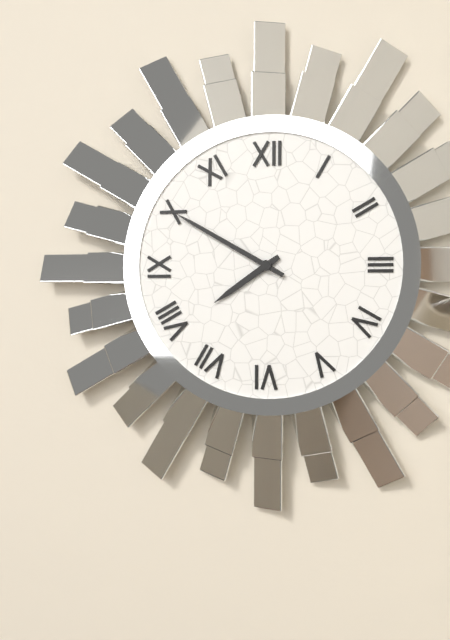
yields 7h50
